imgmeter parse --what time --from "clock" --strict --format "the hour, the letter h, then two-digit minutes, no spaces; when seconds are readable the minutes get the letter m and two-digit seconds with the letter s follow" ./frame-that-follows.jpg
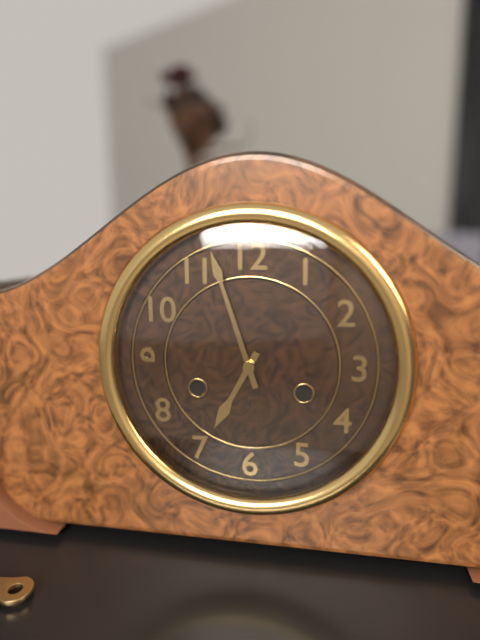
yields 6h57
